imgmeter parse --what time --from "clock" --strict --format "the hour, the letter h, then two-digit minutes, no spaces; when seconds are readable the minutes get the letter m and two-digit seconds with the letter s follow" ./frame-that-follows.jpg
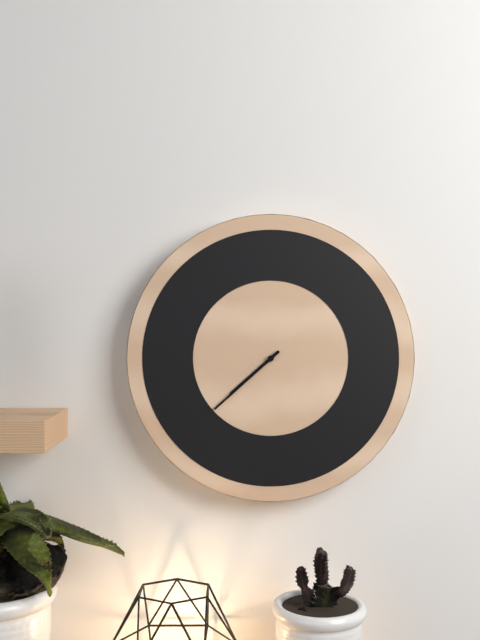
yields 7h38
